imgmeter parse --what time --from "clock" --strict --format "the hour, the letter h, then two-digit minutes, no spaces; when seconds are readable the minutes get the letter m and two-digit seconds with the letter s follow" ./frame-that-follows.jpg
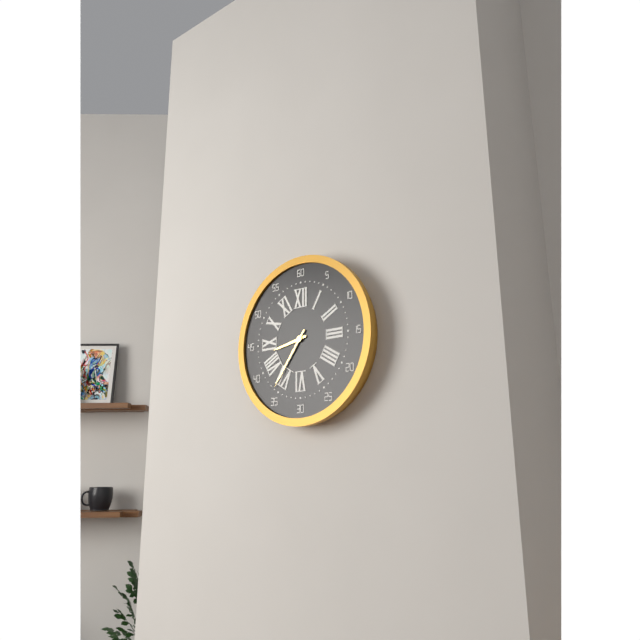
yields 8h36
